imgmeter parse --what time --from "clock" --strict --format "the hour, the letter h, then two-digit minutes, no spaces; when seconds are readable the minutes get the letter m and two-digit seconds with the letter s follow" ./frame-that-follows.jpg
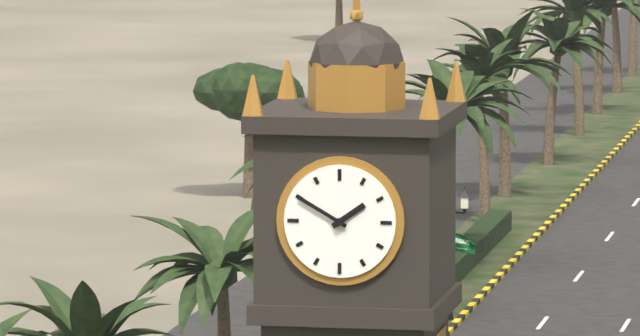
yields 1h50
